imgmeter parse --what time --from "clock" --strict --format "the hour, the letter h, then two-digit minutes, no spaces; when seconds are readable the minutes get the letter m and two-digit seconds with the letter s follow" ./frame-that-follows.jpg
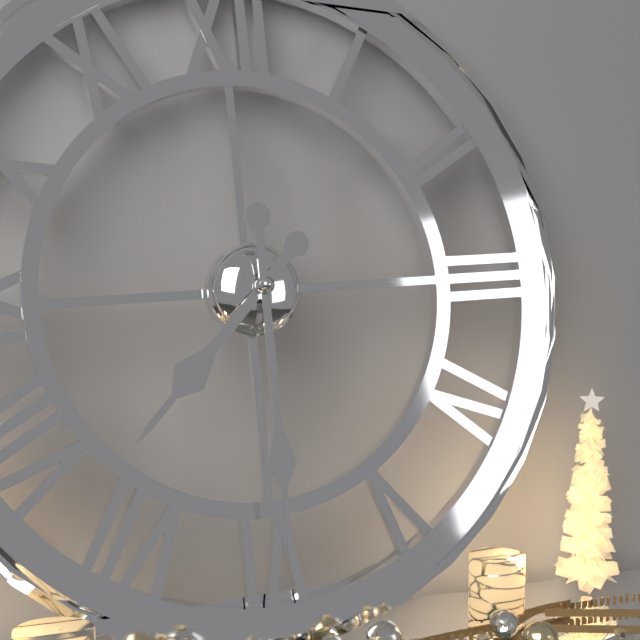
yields 7h30
